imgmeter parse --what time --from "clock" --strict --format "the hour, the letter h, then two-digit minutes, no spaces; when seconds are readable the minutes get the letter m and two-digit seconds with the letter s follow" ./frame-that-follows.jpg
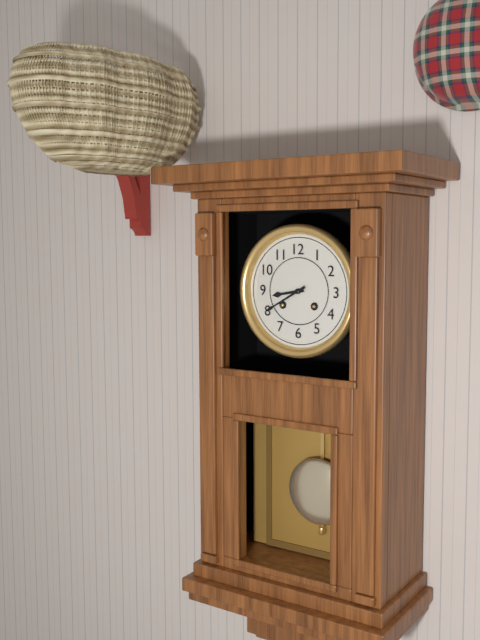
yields 8h40
